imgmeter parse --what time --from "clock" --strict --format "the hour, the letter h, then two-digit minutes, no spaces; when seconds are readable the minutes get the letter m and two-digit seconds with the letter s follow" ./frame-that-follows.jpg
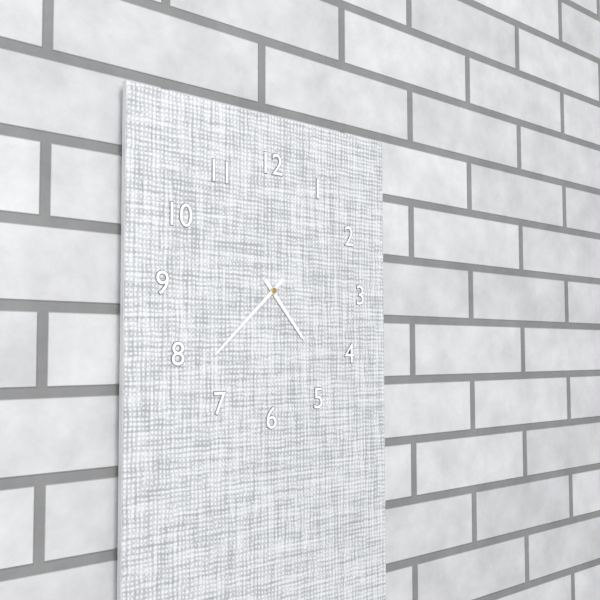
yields 4h38
